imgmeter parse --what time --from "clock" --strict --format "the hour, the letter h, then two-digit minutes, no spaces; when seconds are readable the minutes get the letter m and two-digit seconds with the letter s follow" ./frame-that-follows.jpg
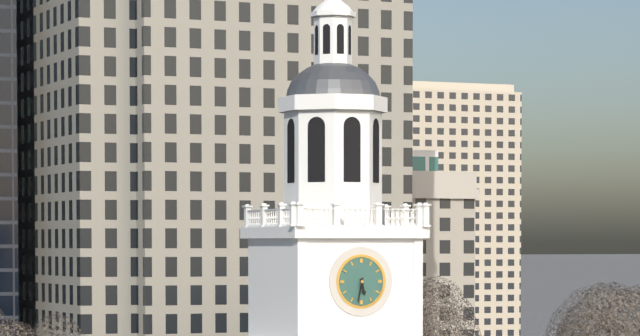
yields 5h32
